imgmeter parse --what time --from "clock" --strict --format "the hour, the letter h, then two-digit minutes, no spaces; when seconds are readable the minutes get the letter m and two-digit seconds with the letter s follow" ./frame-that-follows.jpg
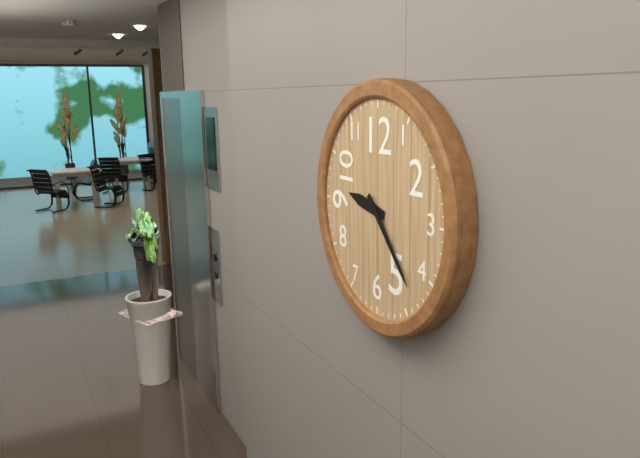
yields 9h23
